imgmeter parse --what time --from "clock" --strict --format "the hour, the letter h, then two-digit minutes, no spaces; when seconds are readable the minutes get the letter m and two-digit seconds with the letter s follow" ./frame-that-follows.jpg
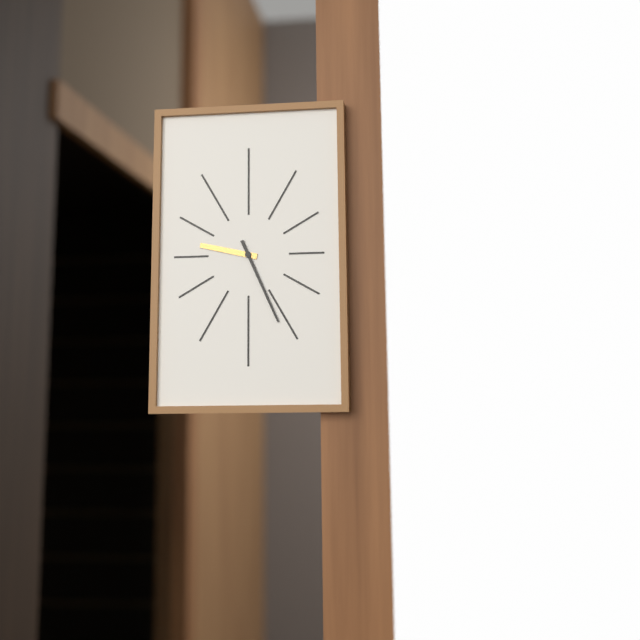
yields 9h26
